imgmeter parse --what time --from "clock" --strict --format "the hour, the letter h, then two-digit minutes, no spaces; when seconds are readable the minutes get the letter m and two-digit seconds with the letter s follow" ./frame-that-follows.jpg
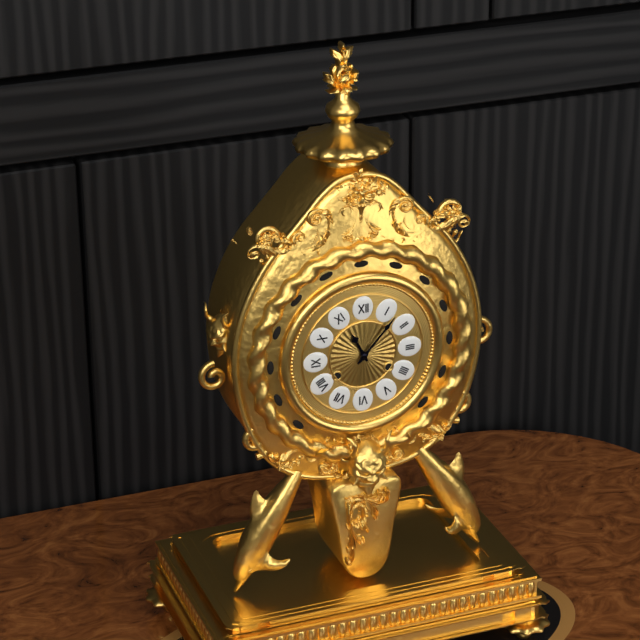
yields 11h07
